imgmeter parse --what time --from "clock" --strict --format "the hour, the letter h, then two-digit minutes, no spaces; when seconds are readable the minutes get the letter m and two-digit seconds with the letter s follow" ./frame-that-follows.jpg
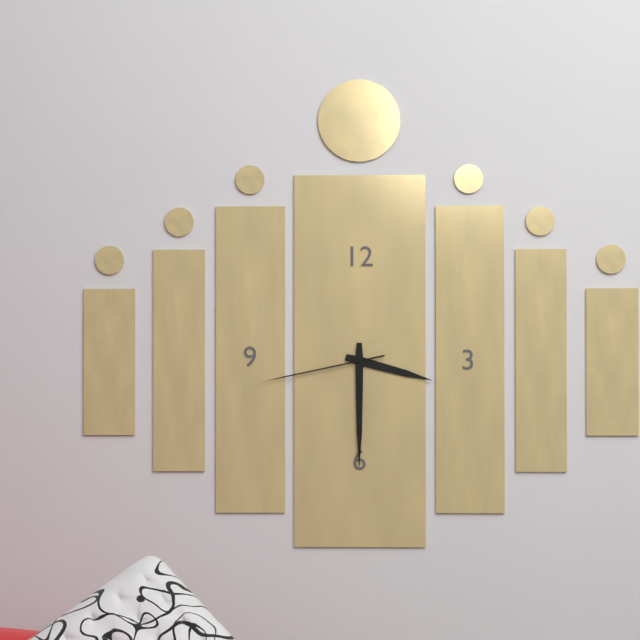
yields 3h30m43s
